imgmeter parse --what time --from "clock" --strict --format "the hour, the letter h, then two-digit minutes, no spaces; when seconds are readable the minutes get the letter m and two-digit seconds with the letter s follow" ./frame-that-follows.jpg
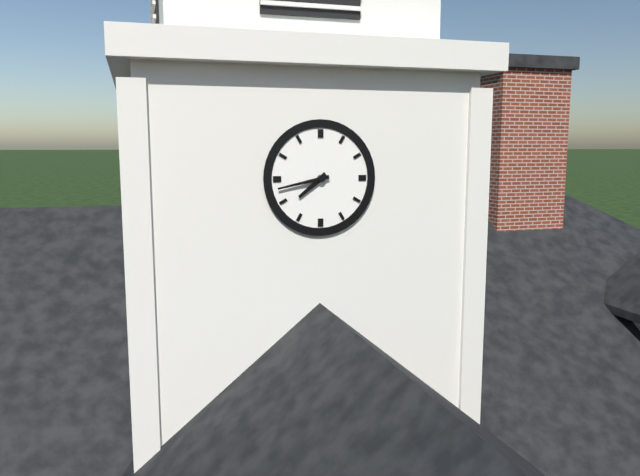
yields 7h43
